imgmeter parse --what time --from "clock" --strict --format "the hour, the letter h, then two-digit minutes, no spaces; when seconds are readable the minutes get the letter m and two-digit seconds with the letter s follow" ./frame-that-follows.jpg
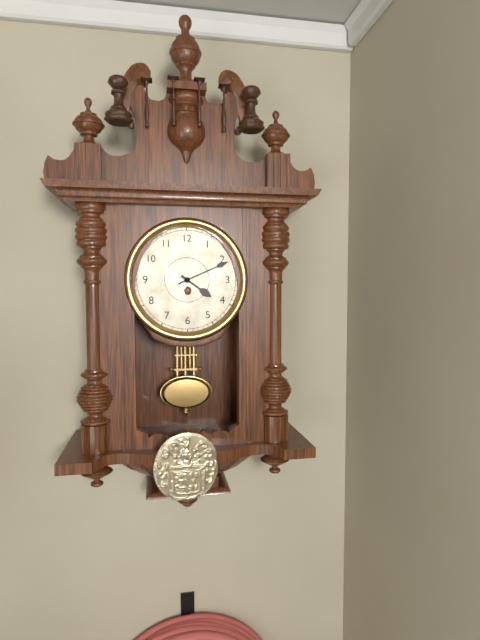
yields 4h11
